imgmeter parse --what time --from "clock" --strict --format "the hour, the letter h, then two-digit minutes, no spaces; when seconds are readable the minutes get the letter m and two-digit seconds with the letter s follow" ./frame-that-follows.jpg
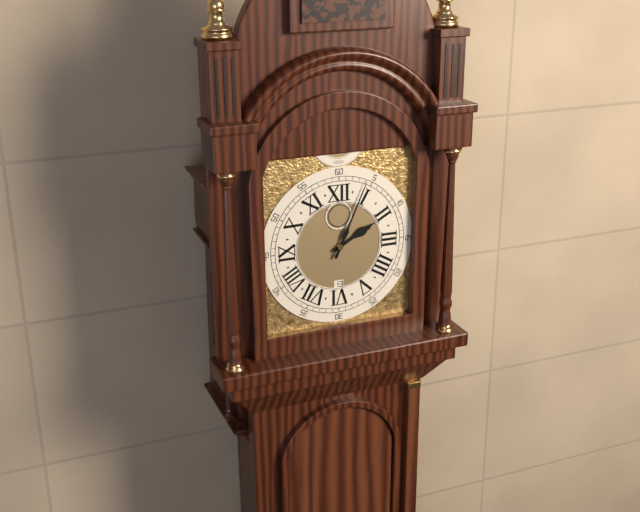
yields 2h04
